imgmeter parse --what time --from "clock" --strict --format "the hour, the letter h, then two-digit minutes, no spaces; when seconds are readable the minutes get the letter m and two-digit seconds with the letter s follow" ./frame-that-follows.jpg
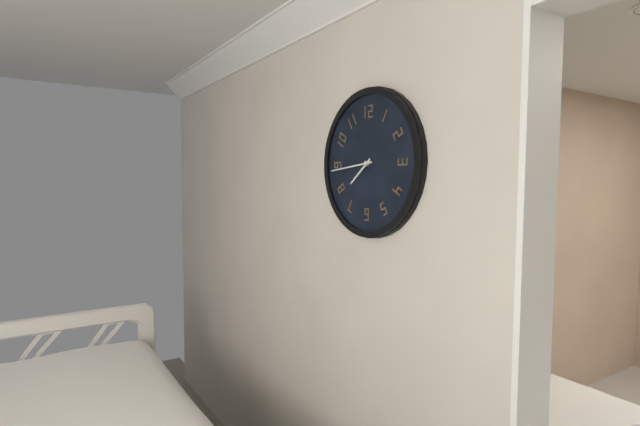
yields 7h44
